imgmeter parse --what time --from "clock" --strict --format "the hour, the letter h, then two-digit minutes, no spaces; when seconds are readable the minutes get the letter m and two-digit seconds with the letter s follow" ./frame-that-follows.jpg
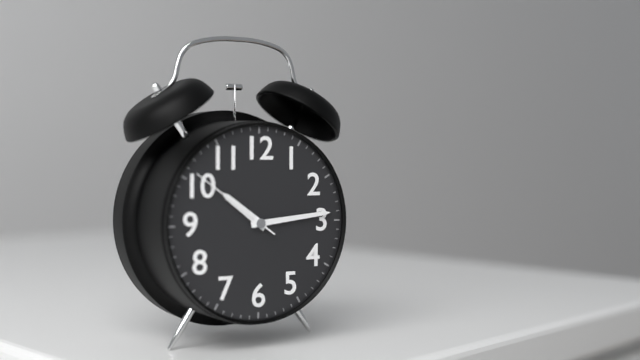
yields 10h14m51s
